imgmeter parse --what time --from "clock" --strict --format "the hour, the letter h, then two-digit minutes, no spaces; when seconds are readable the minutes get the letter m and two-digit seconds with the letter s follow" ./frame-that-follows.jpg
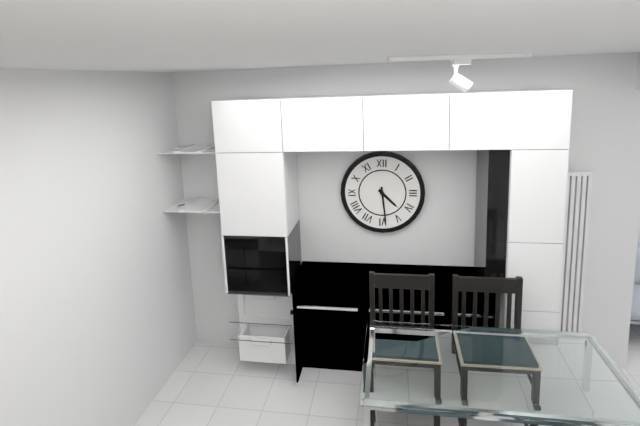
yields 4h29
